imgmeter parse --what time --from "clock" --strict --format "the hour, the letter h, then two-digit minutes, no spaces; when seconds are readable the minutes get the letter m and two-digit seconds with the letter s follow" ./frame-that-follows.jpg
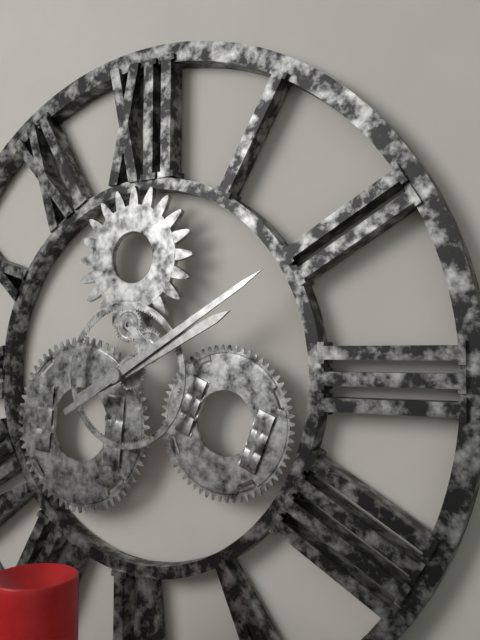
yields 2h10
